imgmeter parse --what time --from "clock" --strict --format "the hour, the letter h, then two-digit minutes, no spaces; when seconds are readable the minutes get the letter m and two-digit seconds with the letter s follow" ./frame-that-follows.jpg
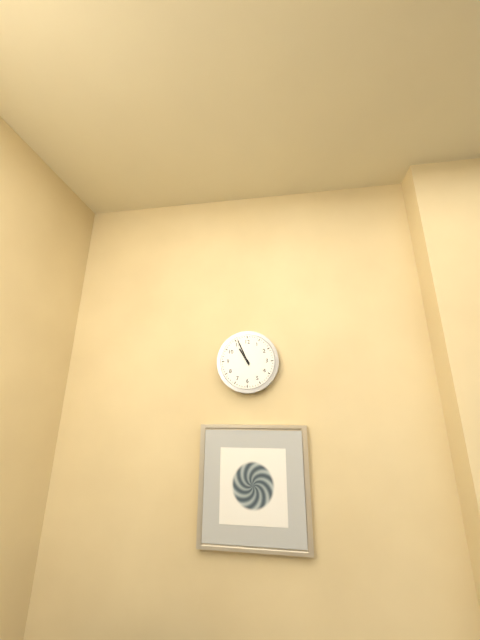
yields 10h56
